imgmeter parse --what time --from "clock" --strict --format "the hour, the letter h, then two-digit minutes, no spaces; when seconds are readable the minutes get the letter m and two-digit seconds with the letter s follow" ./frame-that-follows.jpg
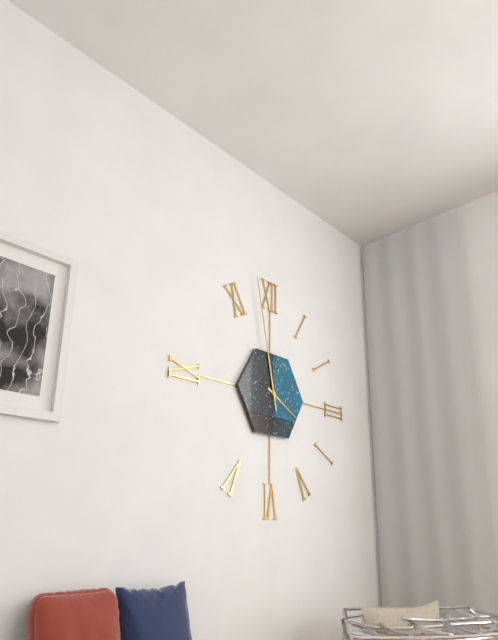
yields 3h58
